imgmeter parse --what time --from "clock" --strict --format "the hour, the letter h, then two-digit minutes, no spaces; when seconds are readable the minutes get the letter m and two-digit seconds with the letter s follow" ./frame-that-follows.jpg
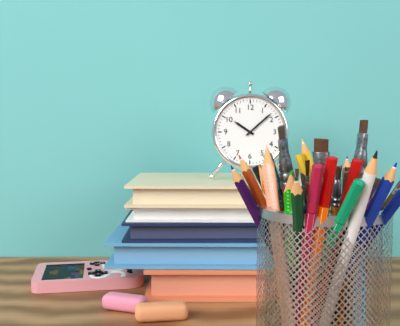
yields 10h08
